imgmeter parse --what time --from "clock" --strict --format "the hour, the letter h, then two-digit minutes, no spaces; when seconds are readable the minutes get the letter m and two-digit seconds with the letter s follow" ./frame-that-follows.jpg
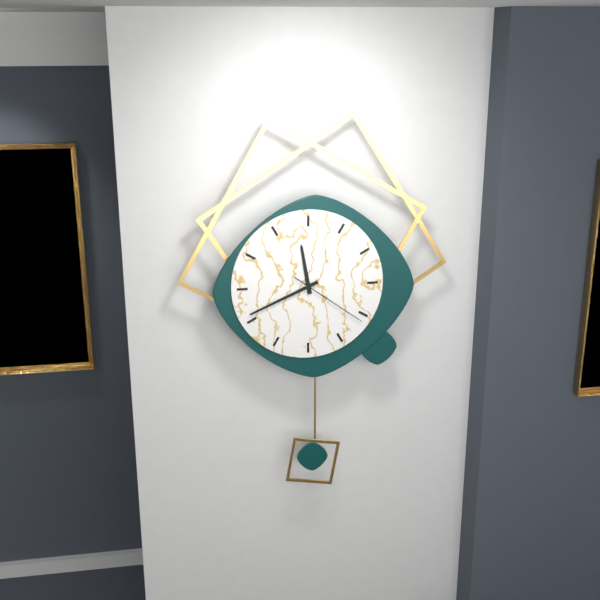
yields 11h41m21s
